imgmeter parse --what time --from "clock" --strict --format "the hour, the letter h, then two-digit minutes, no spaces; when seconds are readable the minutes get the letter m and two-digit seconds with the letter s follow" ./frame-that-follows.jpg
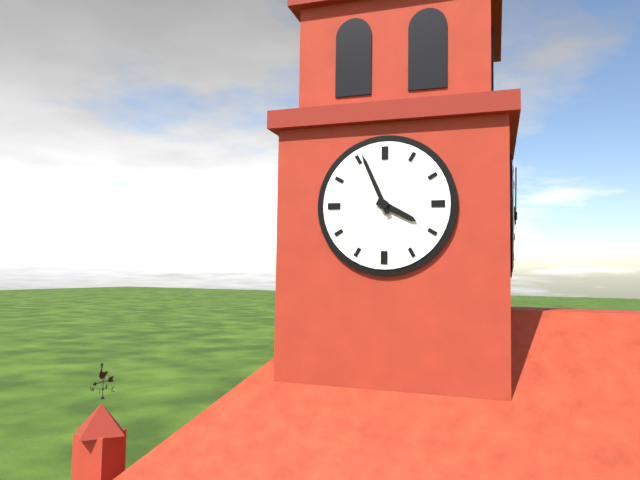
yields 3h56
